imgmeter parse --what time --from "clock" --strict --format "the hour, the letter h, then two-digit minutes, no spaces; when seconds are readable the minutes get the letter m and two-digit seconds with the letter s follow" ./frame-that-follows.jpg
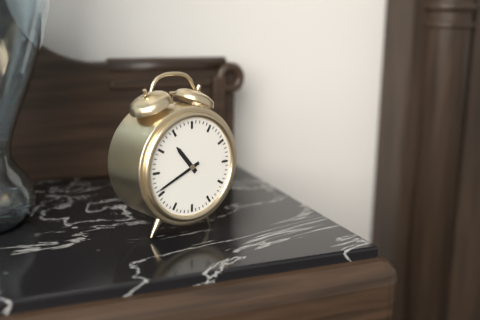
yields 10h41
